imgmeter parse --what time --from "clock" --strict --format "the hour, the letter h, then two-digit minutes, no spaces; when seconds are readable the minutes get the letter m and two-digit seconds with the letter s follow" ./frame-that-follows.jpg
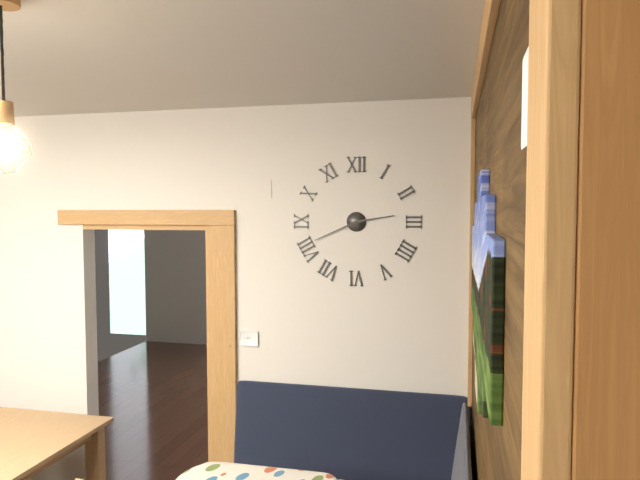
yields 2h41
